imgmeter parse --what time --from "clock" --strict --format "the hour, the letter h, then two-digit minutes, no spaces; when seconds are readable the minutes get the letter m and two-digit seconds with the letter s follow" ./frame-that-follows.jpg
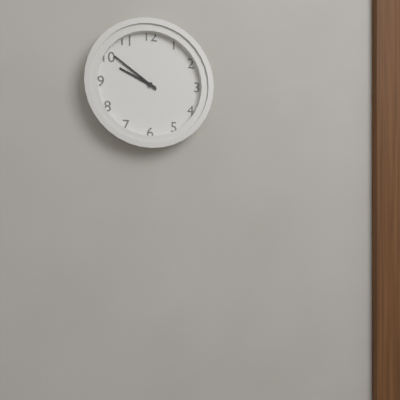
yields 9h51
